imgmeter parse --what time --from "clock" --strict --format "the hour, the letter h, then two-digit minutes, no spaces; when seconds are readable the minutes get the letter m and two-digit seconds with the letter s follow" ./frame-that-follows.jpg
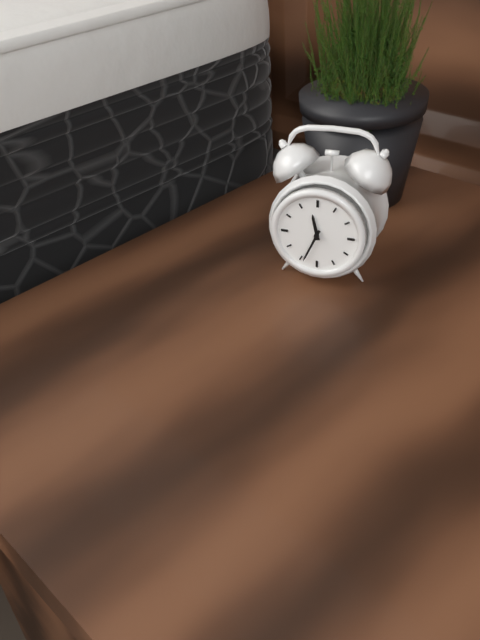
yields 11h34
